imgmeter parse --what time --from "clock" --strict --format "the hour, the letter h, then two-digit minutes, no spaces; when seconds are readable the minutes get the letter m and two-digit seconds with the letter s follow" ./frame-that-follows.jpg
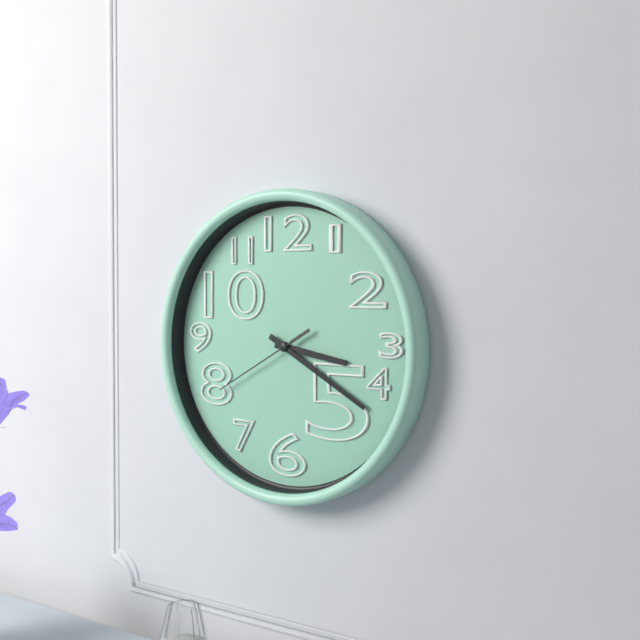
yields 3h20m40s
